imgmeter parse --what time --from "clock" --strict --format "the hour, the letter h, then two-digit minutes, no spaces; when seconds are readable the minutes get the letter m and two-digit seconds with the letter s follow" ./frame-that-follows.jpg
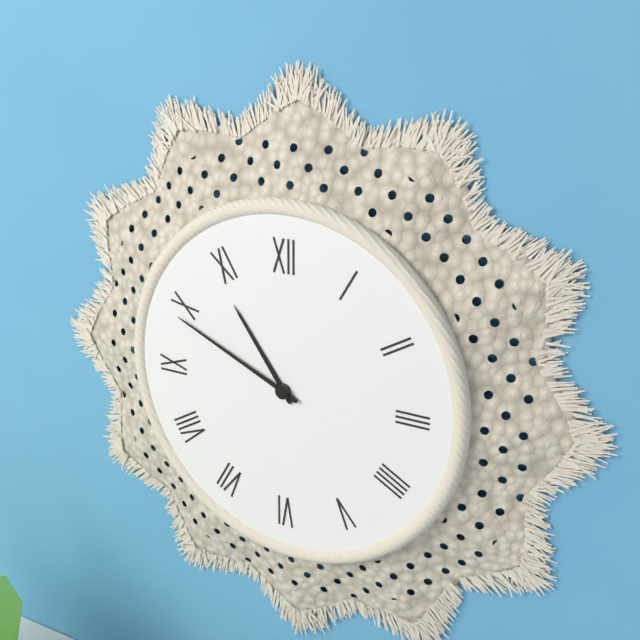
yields 10h49
